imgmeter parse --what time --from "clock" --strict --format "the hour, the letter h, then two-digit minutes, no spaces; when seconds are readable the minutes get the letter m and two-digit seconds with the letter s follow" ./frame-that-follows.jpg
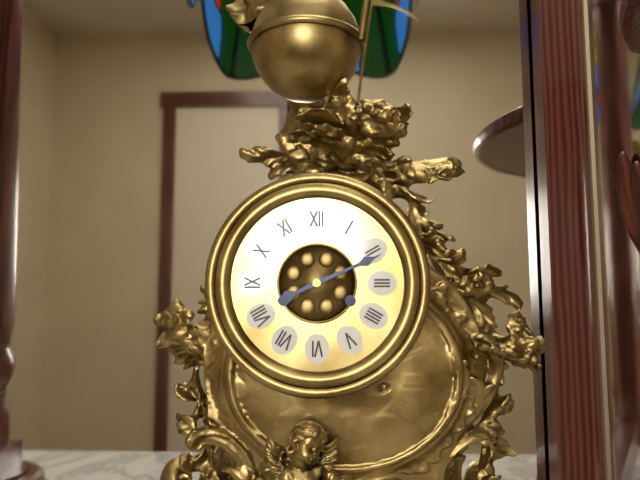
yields 8h11
